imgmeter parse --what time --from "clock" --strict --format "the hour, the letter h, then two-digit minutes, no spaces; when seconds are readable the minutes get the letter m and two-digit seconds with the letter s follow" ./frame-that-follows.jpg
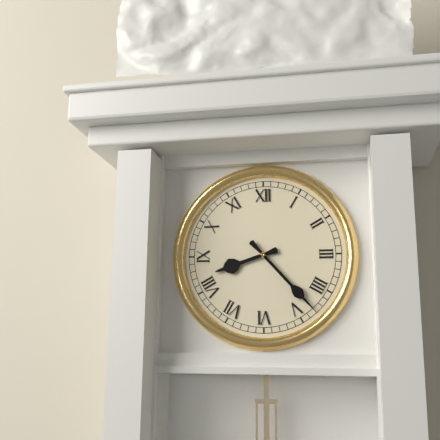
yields 8h23
